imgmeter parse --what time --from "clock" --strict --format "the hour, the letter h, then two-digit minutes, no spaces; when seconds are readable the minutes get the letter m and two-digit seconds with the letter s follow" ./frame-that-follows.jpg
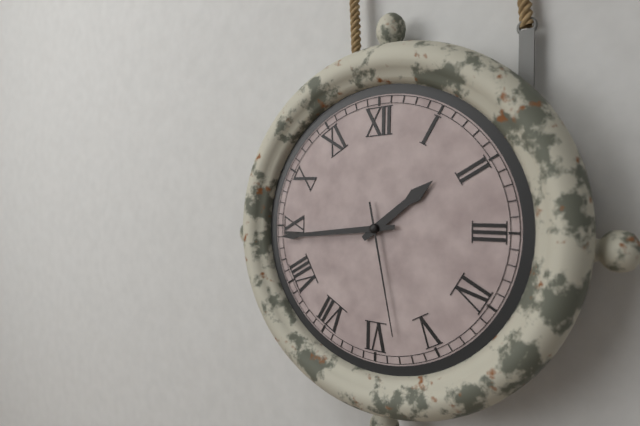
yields 1h44m28s
